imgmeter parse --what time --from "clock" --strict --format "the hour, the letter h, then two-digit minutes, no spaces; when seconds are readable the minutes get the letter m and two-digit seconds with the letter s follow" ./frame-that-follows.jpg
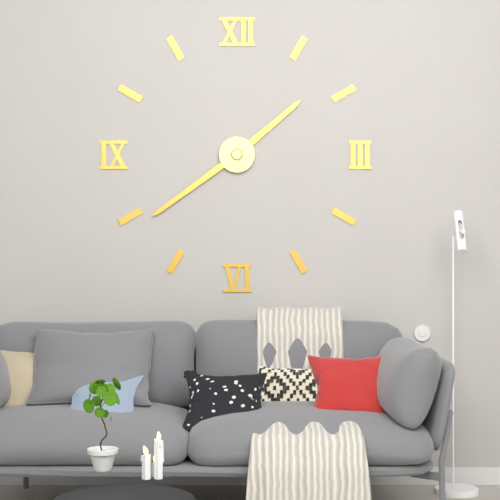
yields 1h39
